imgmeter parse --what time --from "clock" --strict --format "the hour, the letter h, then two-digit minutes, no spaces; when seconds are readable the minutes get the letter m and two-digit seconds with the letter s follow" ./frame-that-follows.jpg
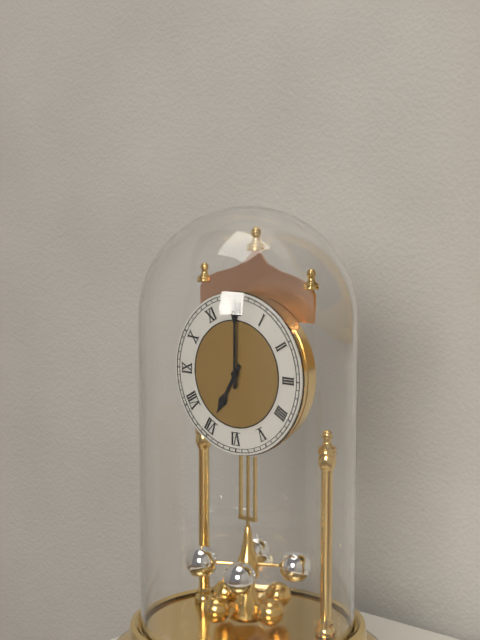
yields 7h00
